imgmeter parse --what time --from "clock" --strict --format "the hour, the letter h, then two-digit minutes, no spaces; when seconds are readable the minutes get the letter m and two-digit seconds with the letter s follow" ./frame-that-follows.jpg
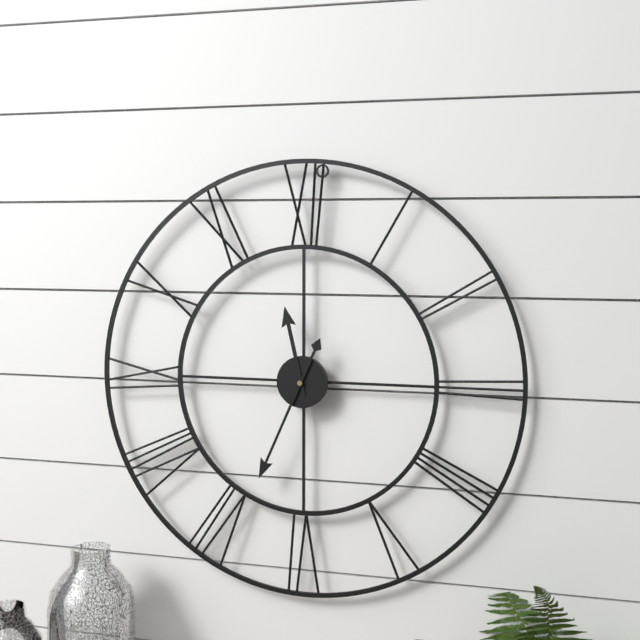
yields 11h34
